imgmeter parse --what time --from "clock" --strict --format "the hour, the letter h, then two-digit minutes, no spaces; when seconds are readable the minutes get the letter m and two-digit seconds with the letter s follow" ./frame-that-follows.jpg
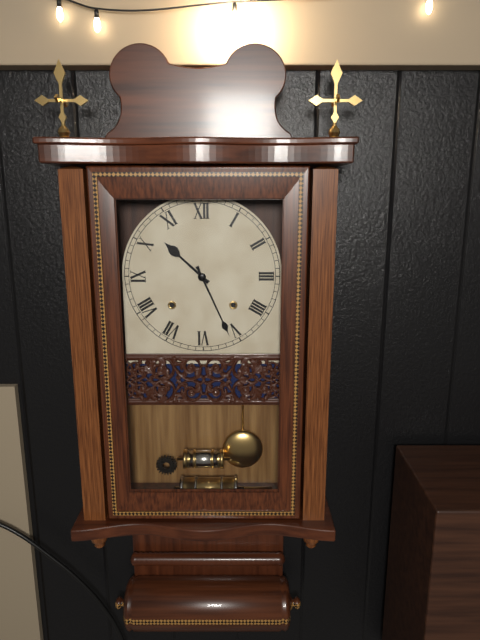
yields 10h26
